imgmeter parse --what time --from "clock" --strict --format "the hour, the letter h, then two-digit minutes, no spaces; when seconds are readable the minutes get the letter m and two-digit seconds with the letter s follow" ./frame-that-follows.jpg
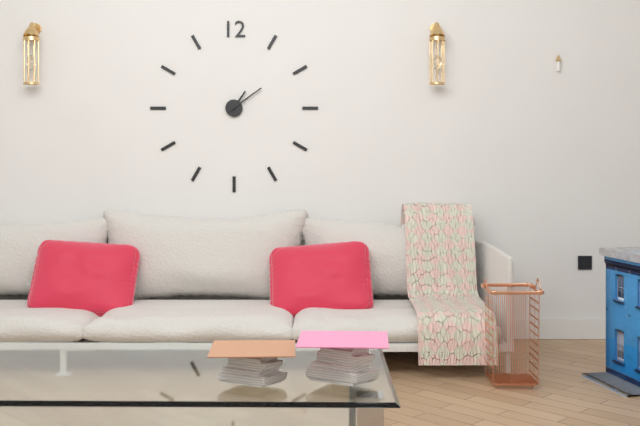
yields 1h09
